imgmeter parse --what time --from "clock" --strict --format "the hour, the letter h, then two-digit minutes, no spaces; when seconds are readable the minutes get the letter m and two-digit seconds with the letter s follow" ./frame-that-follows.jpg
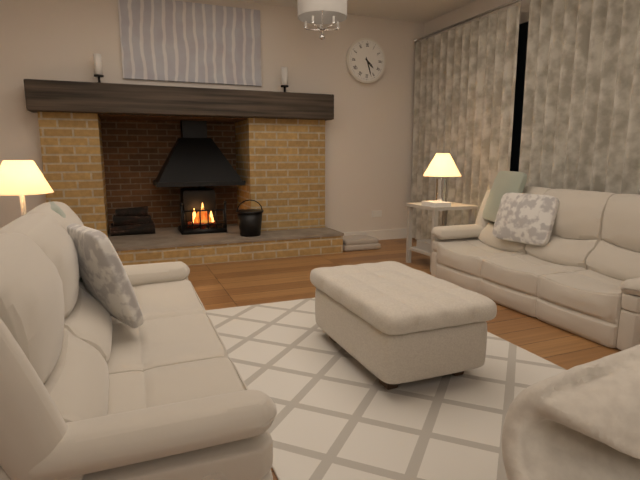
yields 4h27
